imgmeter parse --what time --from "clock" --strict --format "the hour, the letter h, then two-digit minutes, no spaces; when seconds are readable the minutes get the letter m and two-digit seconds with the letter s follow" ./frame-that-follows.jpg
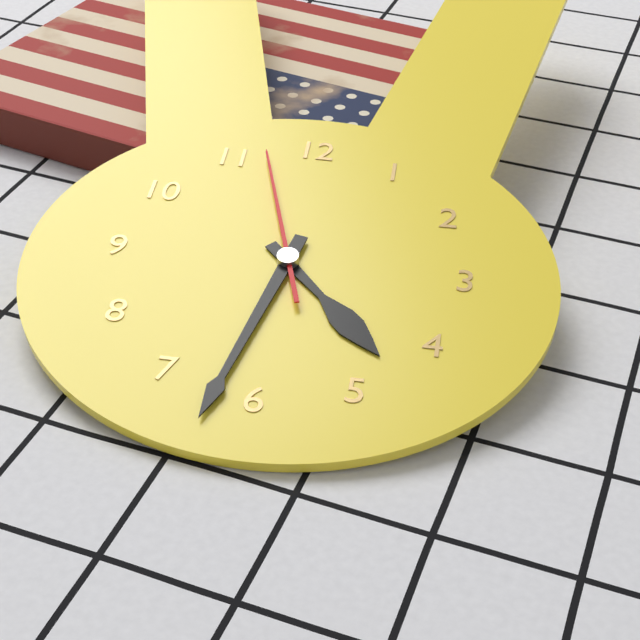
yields 4h32m57s
